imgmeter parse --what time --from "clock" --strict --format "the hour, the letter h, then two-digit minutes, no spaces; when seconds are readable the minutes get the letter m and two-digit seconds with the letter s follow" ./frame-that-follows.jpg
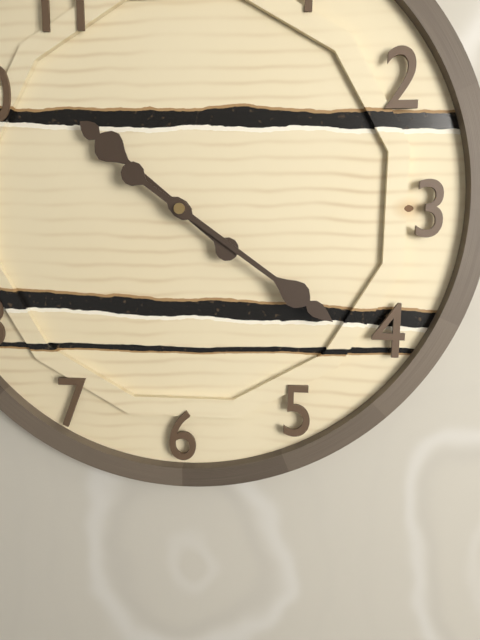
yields 10h21
